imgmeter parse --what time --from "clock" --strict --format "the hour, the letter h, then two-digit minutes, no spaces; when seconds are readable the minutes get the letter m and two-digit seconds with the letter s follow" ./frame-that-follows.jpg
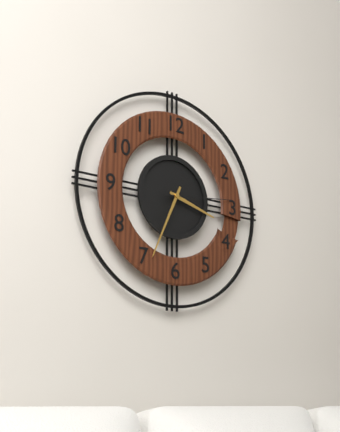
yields 3h34m14s
